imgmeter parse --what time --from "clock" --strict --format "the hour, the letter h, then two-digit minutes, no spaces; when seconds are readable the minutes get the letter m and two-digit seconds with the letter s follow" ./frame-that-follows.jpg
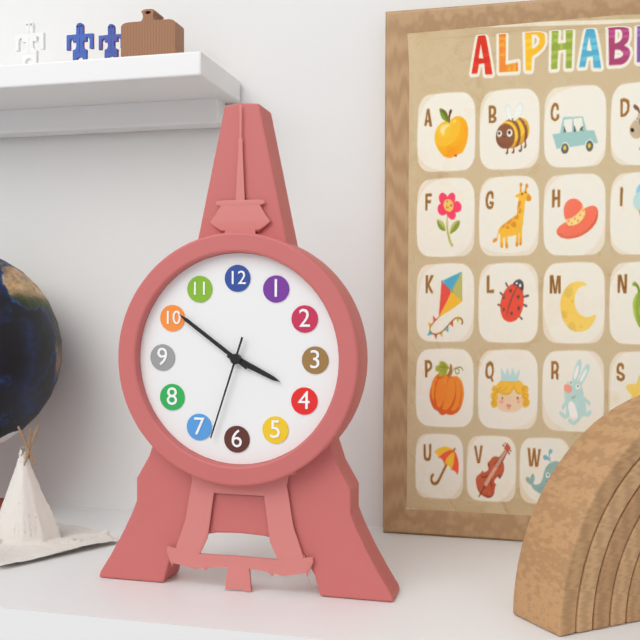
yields 3h51m33s
